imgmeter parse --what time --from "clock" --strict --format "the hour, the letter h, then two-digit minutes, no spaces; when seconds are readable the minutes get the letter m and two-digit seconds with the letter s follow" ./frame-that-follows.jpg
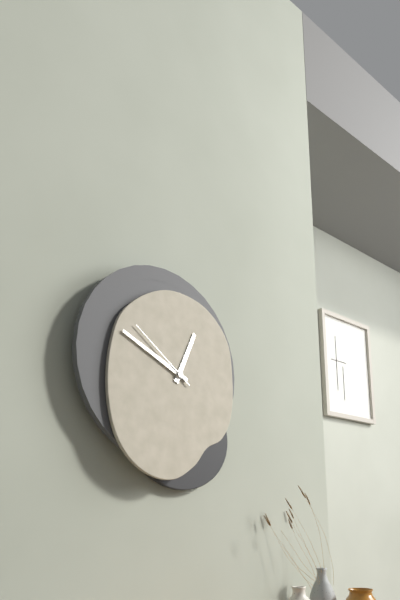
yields 12h49m51s
